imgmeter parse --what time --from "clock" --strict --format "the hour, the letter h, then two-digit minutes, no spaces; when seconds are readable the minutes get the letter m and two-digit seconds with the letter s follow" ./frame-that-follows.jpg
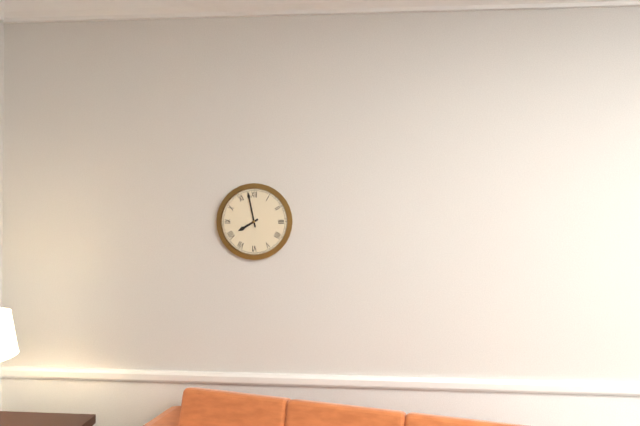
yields 7h58
